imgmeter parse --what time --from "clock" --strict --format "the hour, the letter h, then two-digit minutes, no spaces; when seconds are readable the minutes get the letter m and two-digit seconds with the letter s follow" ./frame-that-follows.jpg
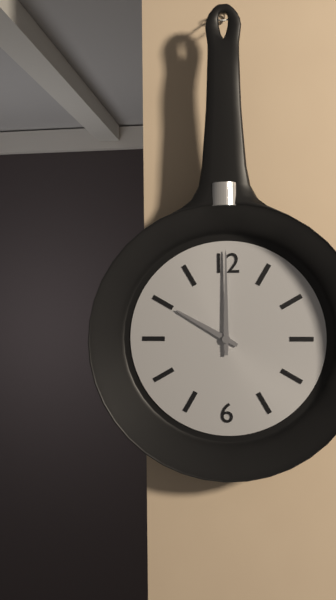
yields 10h00
